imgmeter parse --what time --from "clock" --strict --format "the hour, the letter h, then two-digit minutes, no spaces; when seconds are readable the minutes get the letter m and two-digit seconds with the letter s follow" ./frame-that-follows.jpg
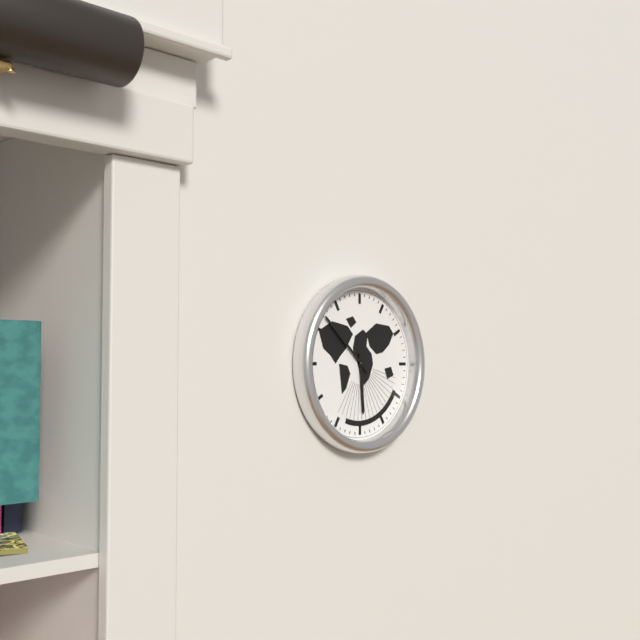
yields 5h52
